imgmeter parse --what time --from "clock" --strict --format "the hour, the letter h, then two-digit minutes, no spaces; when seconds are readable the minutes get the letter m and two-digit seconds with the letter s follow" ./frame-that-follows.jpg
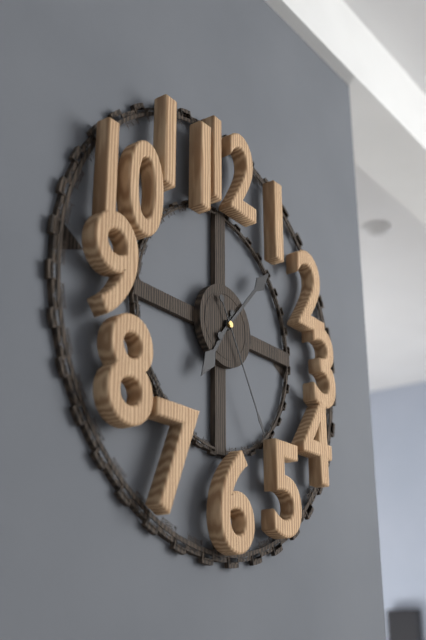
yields 7h07m25s
